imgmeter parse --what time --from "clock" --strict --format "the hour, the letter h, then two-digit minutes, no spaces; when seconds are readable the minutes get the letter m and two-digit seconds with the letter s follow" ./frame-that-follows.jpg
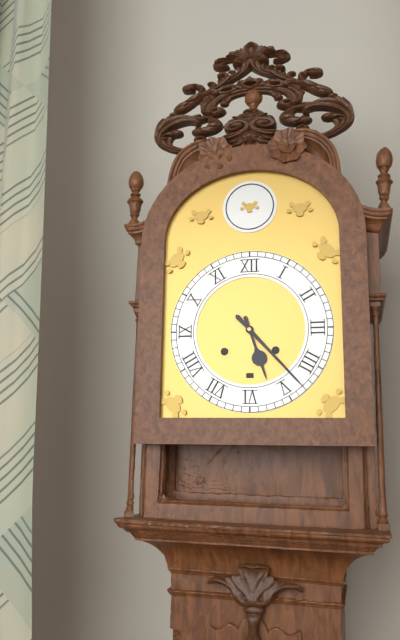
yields 5h23
